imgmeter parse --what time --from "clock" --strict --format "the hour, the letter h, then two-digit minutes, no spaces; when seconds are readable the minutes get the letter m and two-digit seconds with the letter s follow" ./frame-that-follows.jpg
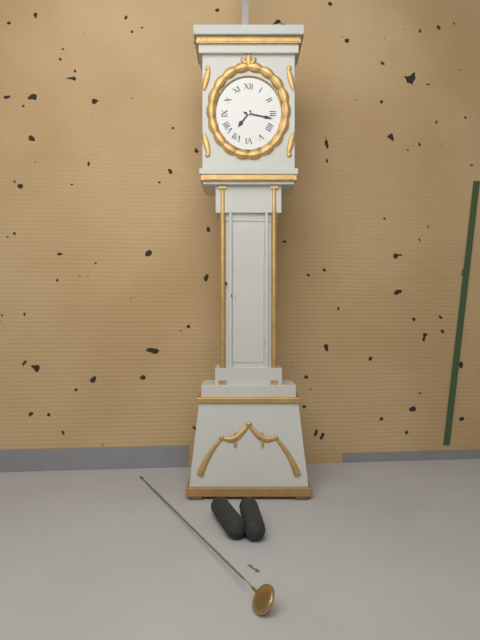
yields 7h17
